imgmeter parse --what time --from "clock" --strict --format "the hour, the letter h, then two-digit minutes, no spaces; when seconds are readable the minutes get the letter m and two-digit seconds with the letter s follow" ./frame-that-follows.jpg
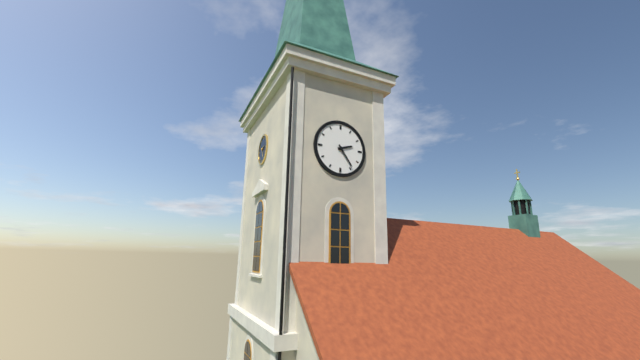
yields 2h24
